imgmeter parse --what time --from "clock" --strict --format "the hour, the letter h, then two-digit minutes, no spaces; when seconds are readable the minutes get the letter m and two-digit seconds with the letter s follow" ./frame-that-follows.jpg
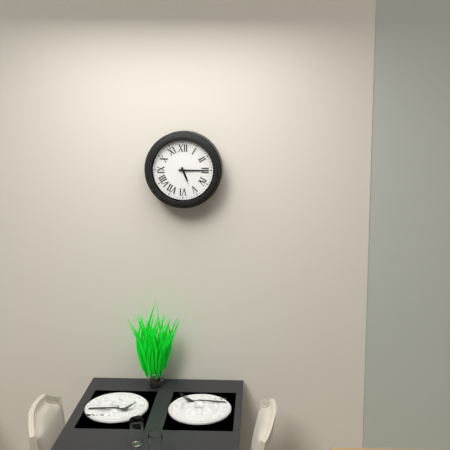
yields 5h15
